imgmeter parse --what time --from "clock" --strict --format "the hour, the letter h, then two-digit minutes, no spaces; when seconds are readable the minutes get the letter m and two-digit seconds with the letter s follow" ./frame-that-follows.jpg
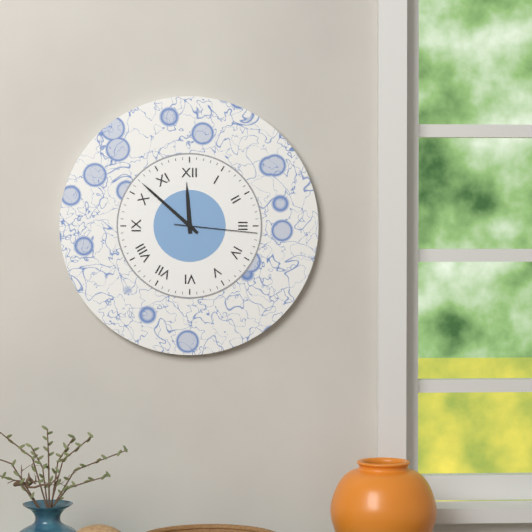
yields 11h52m16s
